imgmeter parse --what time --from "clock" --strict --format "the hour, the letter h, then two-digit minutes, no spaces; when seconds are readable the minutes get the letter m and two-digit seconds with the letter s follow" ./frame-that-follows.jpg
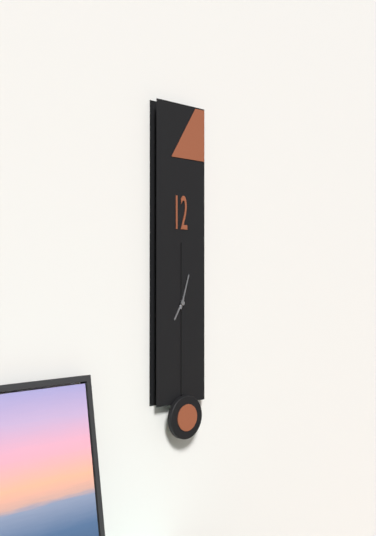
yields 7h03
